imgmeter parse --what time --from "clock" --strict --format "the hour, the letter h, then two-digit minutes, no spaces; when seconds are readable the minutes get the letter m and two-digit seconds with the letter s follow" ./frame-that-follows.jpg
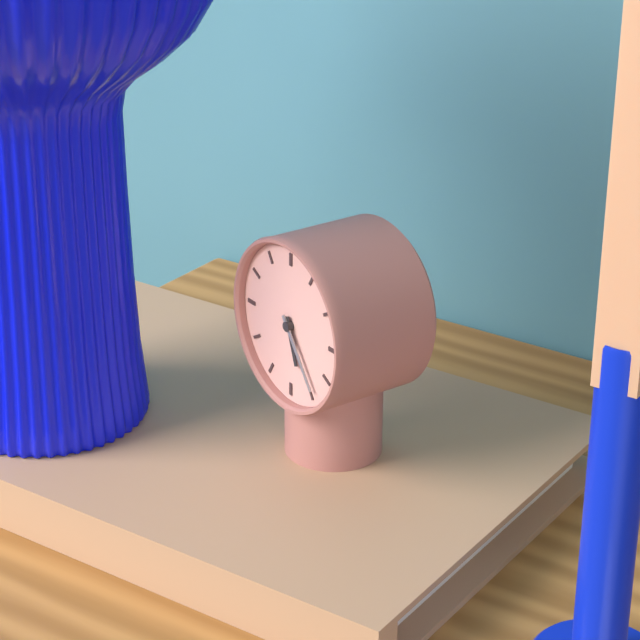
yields 5h24
